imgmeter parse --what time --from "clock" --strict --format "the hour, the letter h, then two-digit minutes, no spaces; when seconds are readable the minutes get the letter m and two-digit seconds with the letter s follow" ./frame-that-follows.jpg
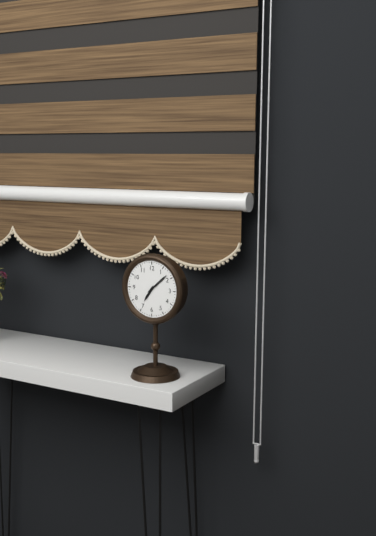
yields 7h08
